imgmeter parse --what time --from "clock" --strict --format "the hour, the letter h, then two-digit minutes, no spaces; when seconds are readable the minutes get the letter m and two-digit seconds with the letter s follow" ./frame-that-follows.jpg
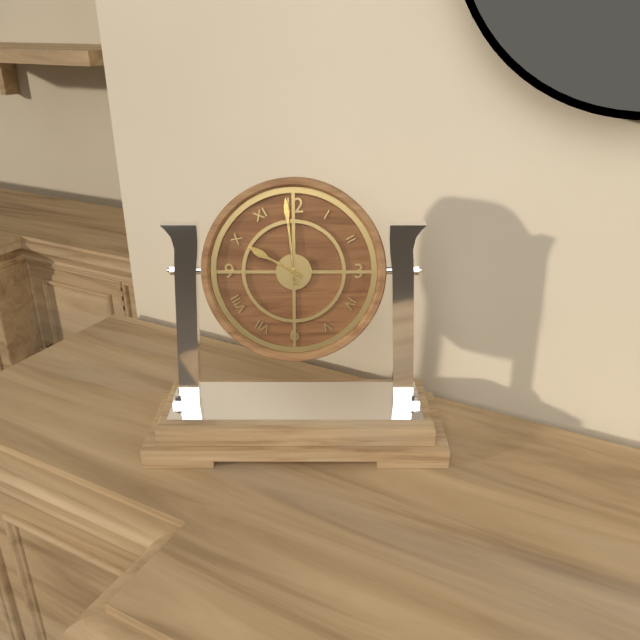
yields 9h59
